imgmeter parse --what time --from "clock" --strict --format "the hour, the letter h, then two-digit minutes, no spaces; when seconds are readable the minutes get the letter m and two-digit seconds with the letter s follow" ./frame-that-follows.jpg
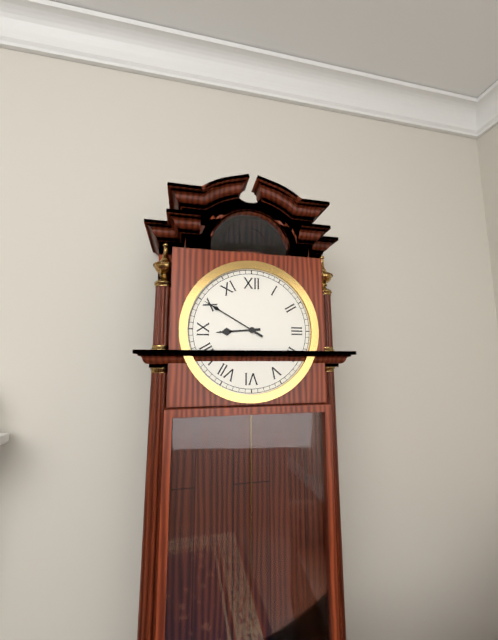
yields 8h50
